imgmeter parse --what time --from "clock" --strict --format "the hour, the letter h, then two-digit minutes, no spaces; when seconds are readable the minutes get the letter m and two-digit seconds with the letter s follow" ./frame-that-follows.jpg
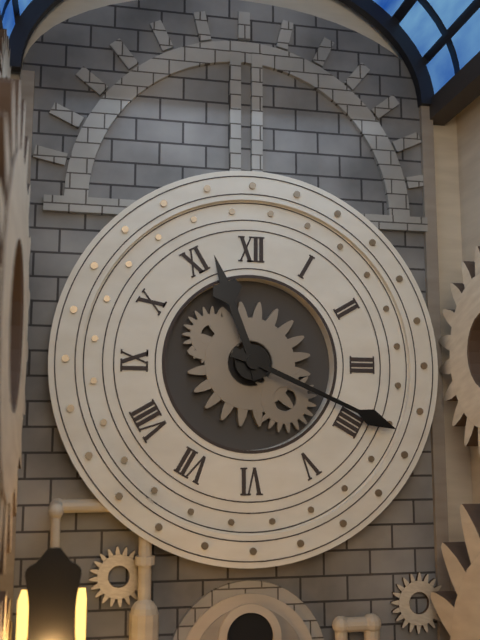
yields 11h19
